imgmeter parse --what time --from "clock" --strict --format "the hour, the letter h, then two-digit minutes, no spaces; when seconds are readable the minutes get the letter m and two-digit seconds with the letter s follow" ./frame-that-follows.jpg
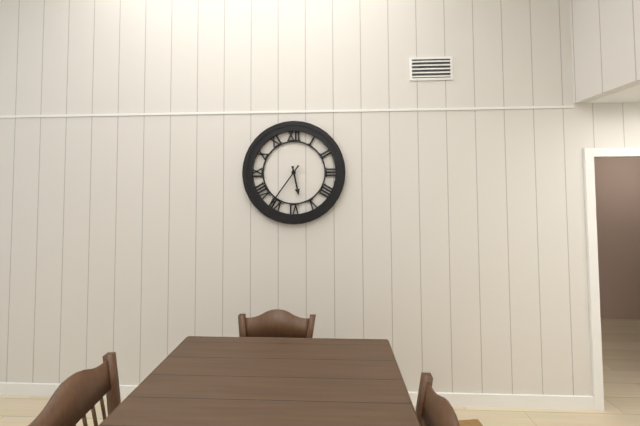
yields 5h36
